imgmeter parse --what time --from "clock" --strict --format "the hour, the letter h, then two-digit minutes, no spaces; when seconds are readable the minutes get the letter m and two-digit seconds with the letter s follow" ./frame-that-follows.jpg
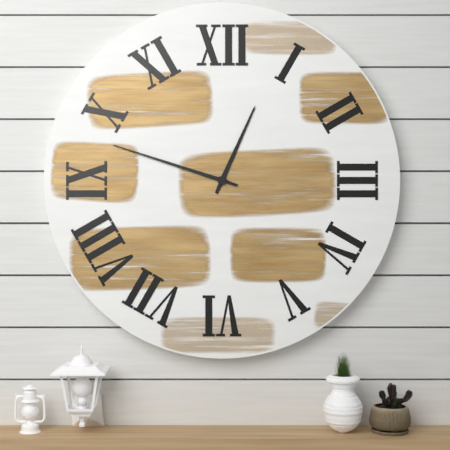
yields 12h48
